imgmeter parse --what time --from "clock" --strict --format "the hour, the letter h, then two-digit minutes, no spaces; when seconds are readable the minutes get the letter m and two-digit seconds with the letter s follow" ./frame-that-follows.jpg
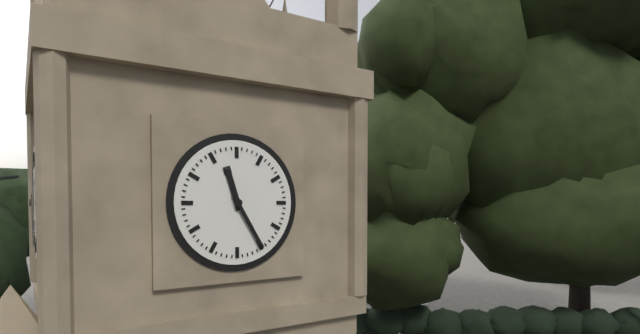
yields 11h25
